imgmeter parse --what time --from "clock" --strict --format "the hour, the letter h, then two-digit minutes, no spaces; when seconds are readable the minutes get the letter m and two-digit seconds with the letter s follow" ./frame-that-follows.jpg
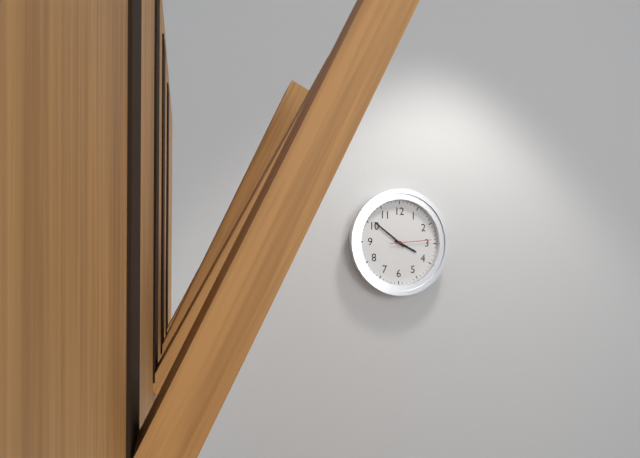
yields 3h51
